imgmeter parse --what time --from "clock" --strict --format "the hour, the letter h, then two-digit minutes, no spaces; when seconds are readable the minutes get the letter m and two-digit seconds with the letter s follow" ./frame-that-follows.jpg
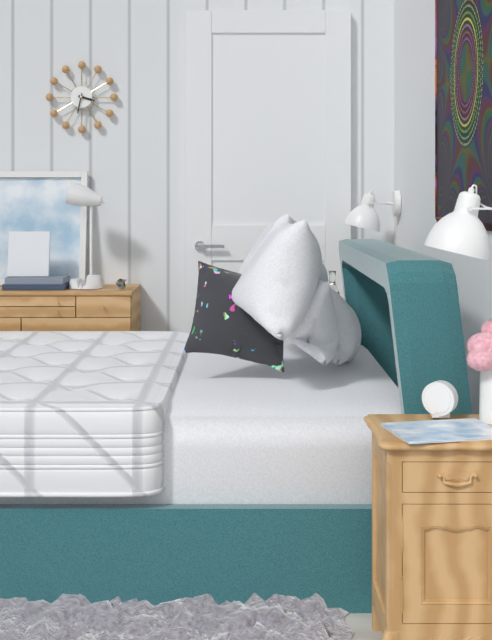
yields 3h32
